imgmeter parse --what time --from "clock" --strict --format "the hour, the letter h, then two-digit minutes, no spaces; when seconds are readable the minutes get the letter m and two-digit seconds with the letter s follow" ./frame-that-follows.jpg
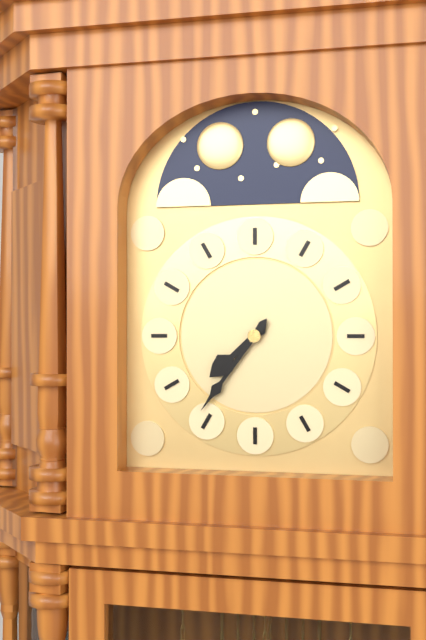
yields 7h36
